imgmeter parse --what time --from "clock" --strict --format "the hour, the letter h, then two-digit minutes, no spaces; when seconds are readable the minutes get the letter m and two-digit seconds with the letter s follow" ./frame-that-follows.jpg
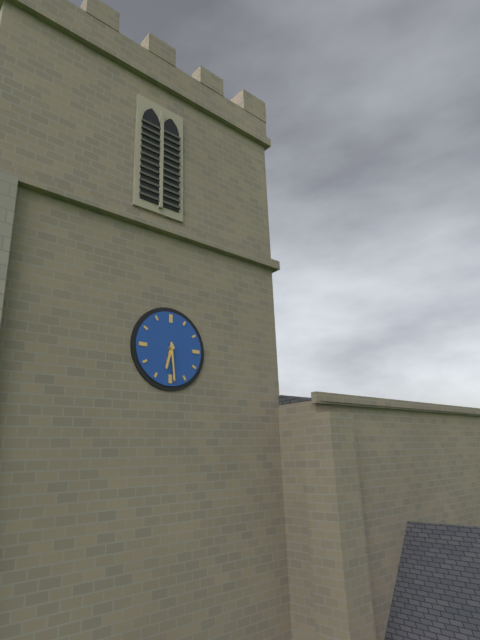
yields 6h29
